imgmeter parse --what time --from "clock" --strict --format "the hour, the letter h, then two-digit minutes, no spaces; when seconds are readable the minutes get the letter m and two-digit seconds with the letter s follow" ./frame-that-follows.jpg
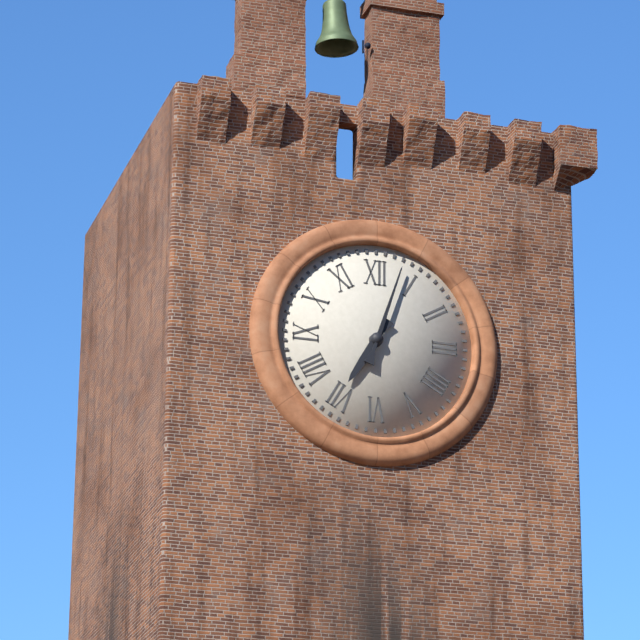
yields 7h03
